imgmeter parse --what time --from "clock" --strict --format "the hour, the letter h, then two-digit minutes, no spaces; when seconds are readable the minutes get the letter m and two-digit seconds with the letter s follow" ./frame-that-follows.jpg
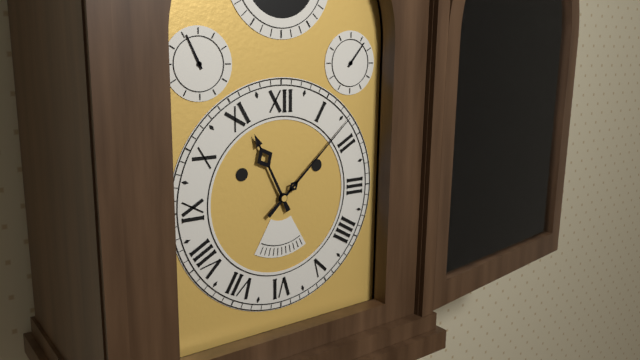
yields 11h08
